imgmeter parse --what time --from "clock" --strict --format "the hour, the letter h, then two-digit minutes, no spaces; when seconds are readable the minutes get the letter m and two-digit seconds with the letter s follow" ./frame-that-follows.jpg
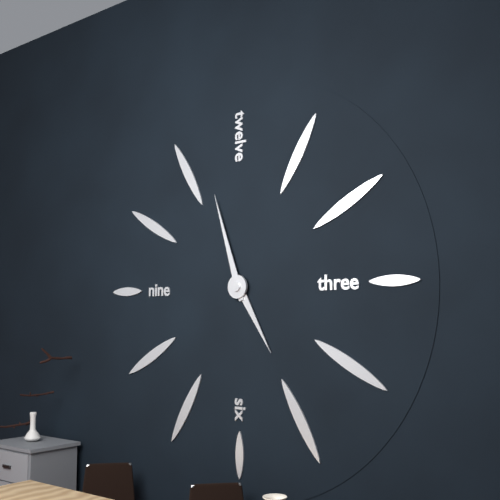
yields 4h57
